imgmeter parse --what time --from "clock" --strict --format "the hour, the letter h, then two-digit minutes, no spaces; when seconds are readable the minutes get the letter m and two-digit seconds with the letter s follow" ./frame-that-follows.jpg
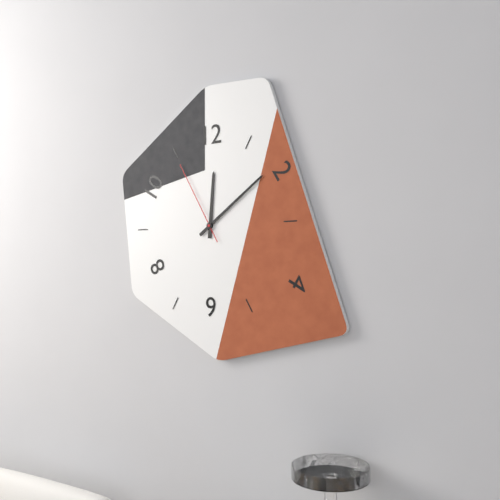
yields 12h09m55s
